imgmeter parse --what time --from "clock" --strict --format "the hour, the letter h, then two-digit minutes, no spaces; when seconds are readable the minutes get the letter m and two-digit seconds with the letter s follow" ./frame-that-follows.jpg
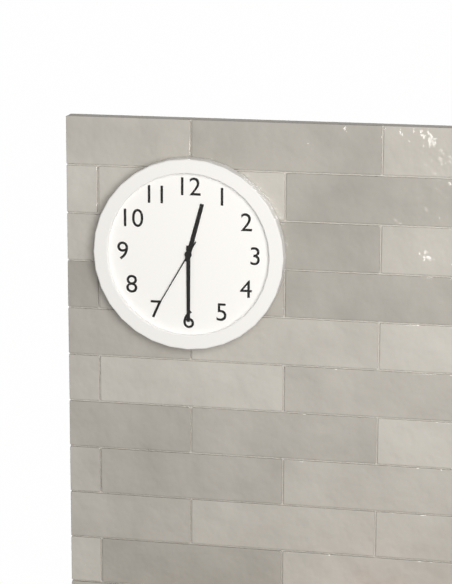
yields 12h30m35s
